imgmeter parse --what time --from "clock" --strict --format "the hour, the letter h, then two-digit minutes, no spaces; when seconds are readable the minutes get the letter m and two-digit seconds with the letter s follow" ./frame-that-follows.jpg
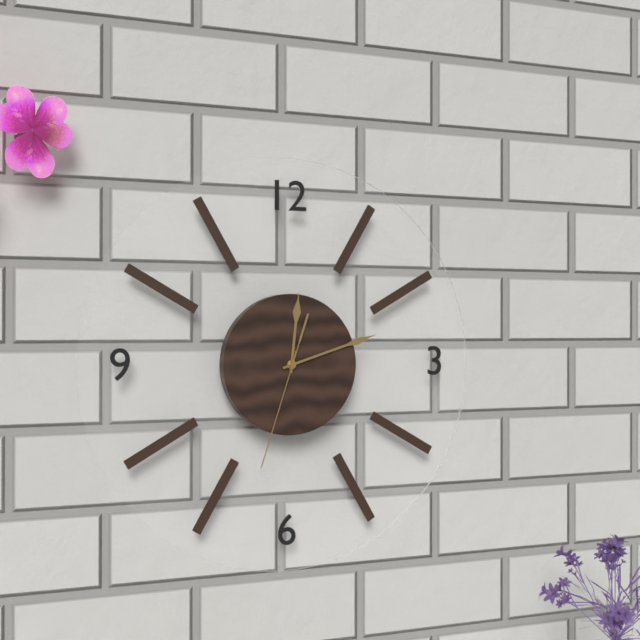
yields 12h12m33s
